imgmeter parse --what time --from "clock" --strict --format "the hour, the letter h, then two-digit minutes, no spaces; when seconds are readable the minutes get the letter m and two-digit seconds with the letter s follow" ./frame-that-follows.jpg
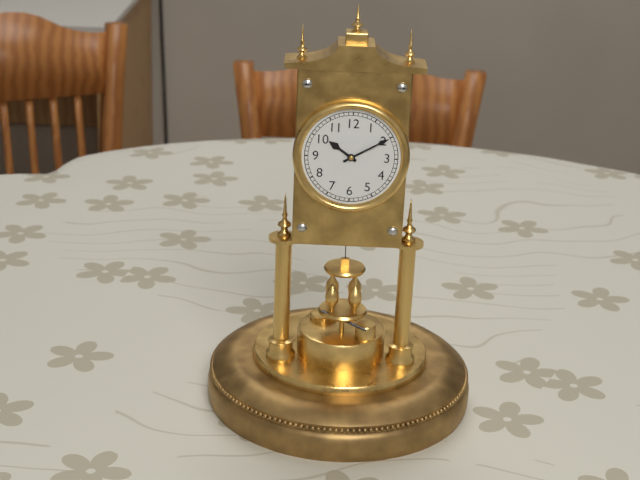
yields 10h10
